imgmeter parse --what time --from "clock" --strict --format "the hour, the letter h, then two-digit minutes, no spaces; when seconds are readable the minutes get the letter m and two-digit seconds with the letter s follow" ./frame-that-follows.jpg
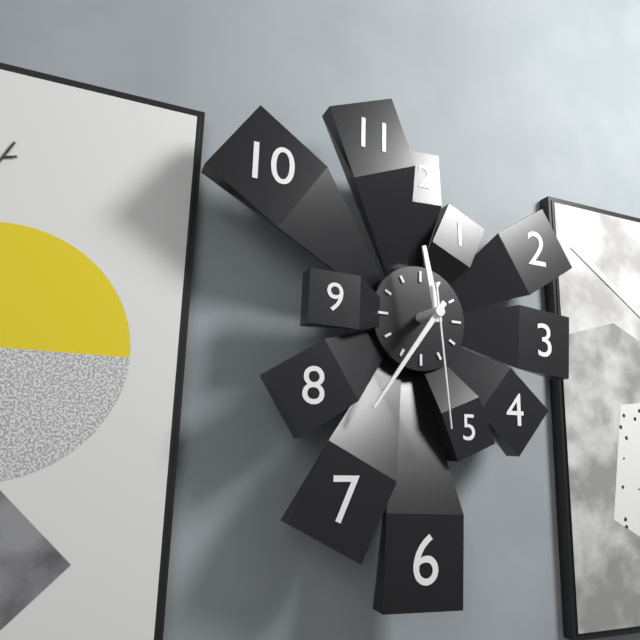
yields 11h36m29s
